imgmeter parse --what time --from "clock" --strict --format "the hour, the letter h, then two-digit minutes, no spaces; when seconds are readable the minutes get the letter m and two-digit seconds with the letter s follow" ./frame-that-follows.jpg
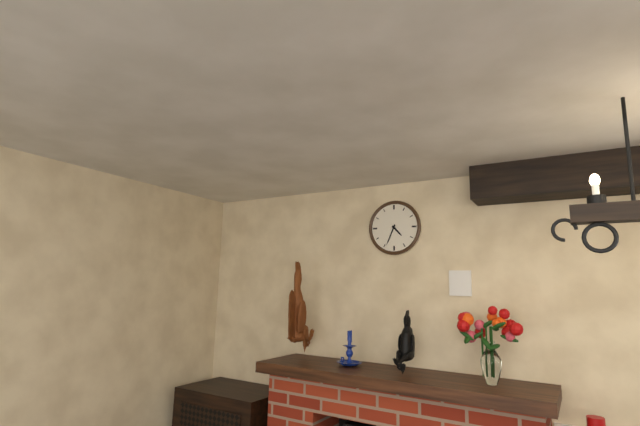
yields 4h34
